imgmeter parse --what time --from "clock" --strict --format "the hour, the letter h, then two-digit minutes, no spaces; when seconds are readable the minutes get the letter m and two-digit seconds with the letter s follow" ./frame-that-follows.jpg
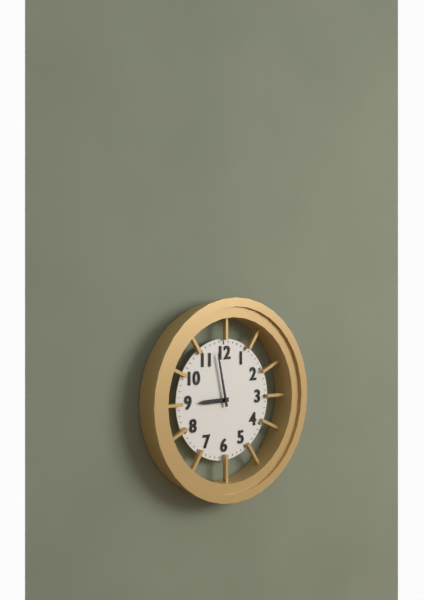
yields 8h58
